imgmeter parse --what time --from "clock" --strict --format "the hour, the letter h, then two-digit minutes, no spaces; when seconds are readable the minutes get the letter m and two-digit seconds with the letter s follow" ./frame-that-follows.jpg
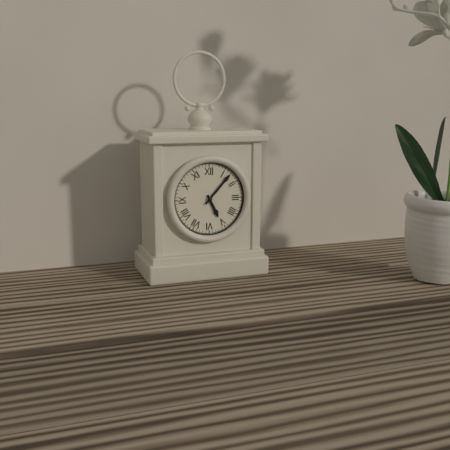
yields 5h07
